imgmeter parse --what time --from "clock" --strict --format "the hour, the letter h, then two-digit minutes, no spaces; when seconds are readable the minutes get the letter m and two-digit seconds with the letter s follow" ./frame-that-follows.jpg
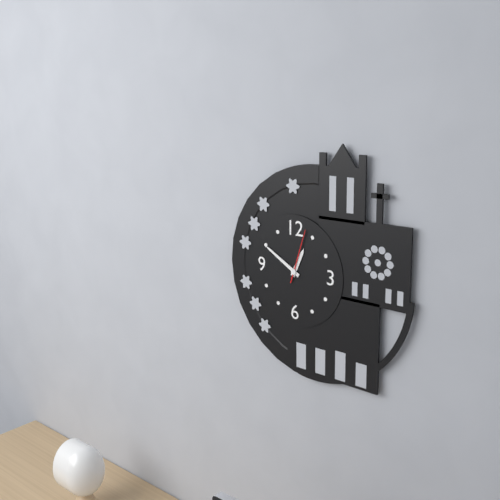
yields 12h50m03s
